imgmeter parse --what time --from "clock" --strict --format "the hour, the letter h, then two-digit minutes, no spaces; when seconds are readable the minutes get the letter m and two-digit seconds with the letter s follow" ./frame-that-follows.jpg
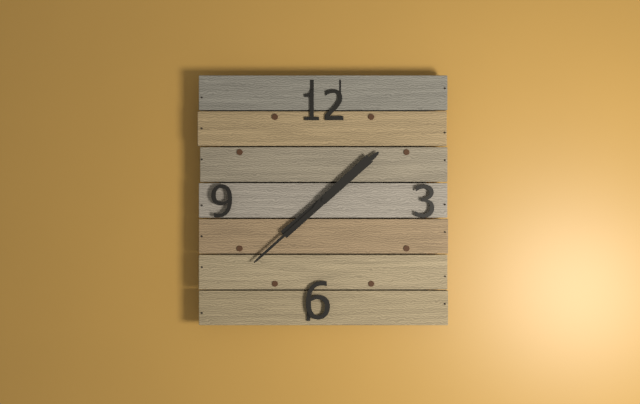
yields 1h38
